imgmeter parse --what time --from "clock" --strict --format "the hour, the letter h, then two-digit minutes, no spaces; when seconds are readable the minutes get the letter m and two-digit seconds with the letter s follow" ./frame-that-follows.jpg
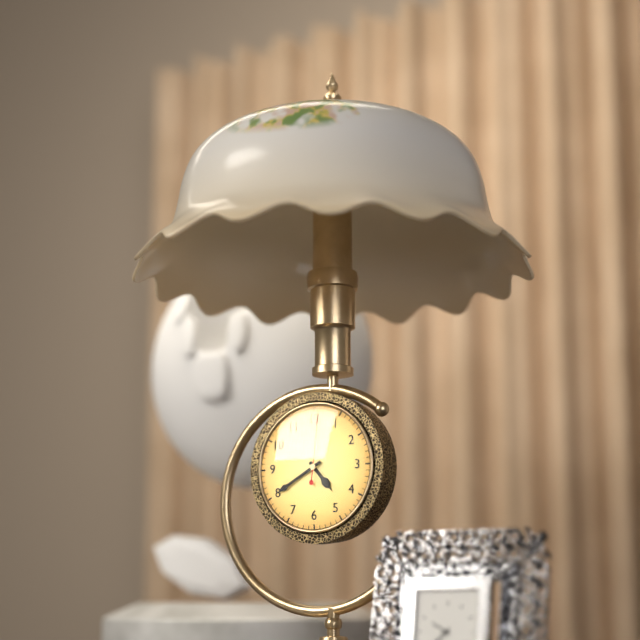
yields 4h40m01s
